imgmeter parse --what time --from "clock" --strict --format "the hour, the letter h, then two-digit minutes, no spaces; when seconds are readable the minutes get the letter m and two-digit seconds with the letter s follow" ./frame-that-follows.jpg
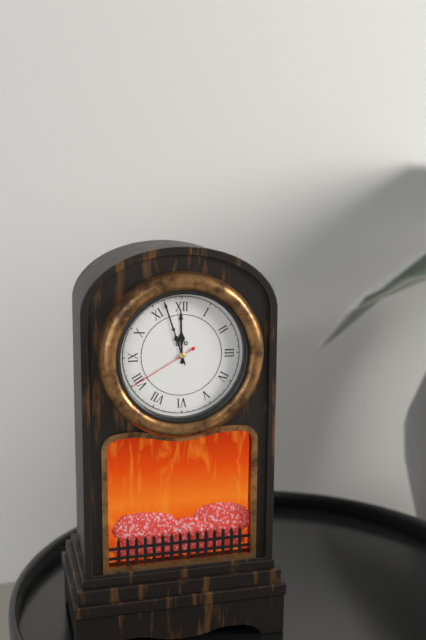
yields 11h57m40s
